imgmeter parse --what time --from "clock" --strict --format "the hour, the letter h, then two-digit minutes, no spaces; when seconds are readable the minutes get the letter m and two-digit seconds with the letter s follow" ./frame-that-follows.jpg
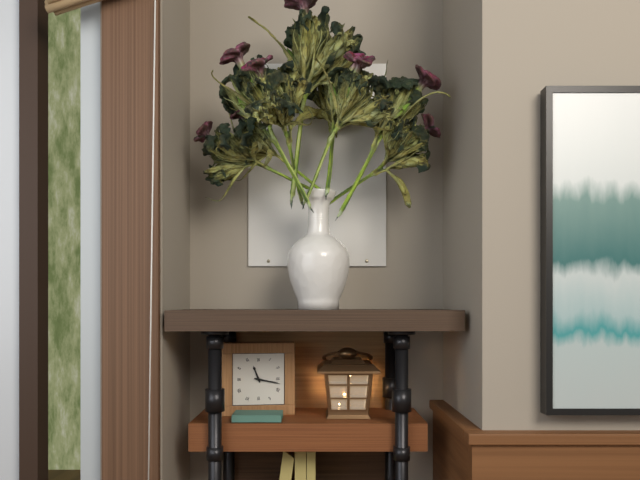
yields 11h17
